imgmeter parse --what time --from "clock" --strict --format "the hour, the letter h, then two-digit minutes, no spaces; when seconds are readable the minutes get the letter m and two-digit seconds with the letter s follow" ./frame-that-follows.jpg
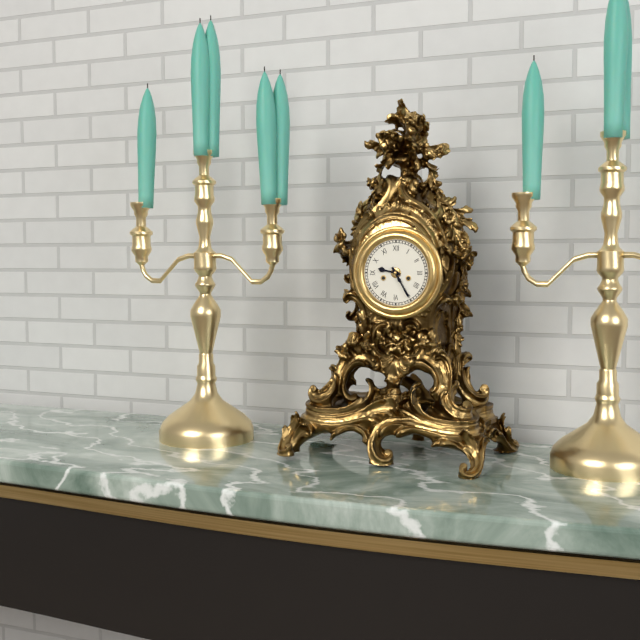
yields 9h25
